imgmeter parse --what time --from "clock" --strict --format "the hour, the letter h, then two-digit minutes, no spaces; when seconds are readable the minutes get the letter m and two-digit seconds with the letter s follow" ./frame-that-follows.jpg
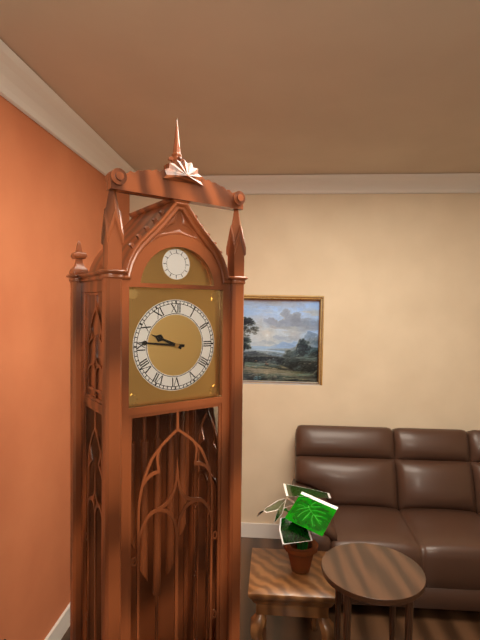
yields 9h46
